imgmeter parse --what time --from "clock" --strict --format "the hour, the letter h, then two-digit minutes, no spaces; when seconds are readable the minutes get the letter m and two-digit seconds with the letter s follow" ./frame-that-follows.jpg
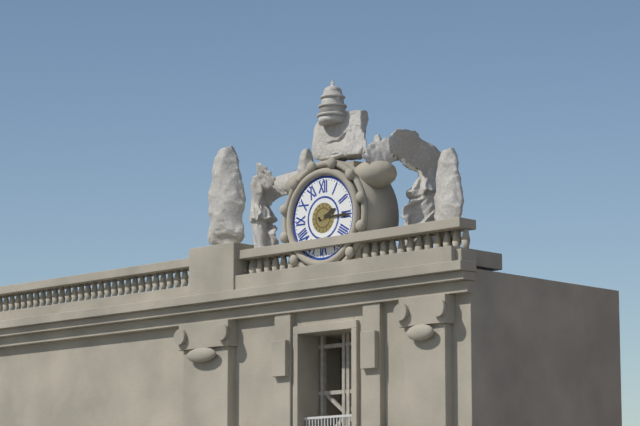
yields 2h15
